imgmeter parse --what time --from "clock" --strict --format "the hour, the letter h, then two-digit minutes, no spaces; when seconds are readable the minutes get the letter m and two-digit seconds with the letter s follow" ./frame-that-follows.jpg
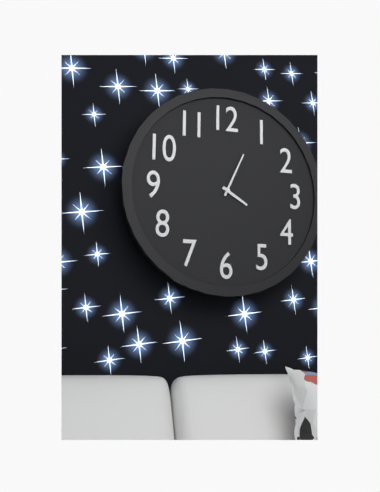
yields 4h04
